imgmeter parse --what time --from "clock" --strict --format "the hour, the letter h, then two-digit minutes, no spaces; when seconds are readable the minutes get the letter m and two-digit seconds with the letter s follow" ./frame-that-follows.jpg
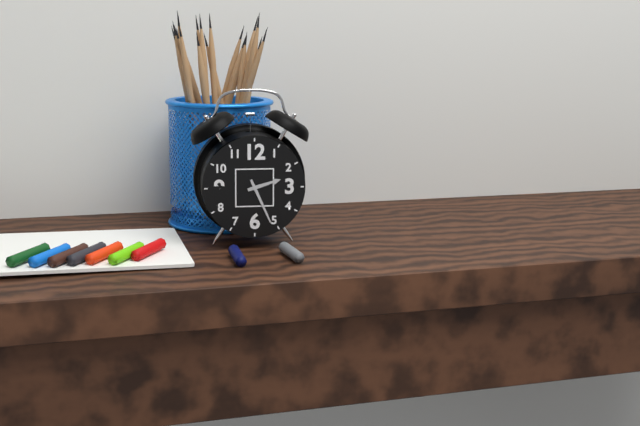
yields 2h26
